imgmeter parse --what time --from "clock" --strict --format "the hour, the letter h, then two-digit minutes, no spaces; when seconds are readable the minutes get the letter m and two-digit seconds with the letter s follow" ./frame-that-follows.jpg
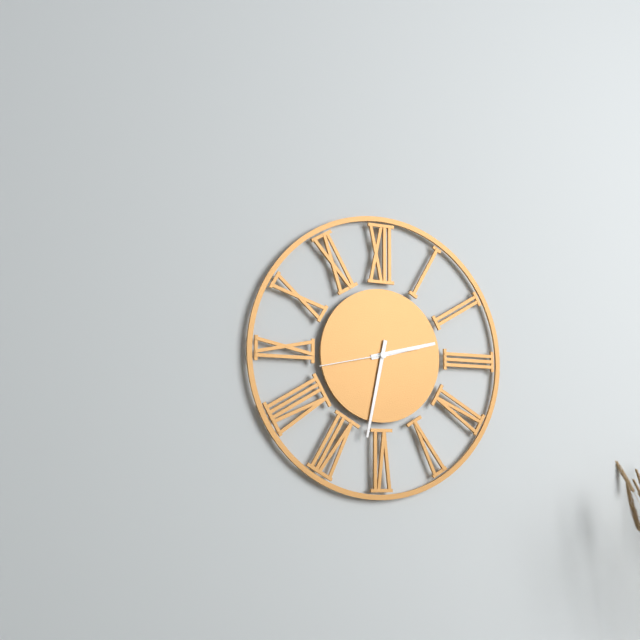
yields 2h32m43s
